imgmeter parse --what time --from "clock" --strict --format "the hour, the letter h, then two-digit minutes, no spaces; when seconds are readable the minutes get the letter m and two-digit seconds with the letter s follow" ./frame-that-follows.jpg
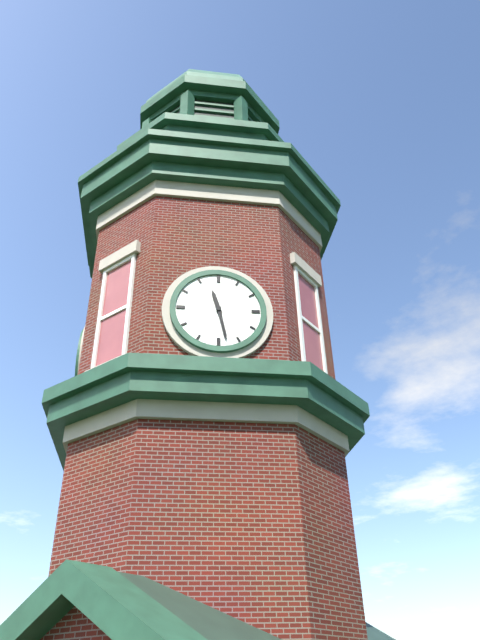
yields 11h28
